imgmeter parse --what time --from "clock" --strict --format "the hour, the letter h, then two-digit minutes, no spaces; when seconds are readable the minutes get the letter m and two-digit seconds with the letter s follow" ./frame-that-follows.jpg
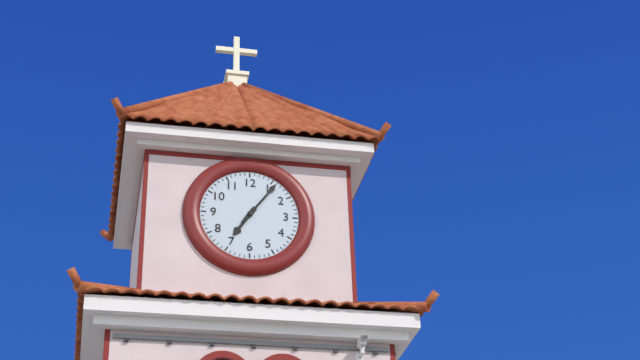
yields 7h06
